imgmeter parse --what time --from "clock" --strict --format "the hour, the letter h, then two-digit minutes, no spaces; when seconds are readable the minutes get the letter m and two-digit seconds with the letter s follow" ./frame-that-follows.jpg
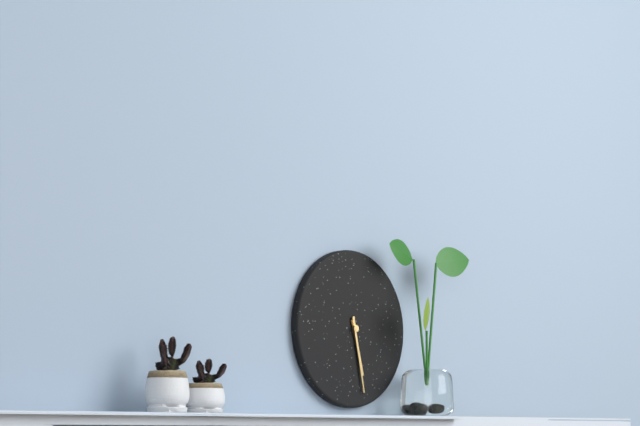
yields 5h28
